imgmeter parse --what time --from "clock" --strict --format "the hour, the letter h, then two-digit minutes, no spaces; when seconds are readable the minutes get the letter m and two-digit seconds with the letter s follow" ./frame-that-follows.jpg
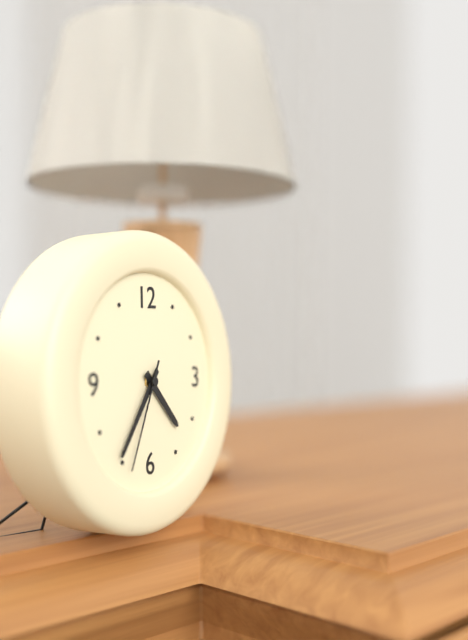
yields 4h36m34s
